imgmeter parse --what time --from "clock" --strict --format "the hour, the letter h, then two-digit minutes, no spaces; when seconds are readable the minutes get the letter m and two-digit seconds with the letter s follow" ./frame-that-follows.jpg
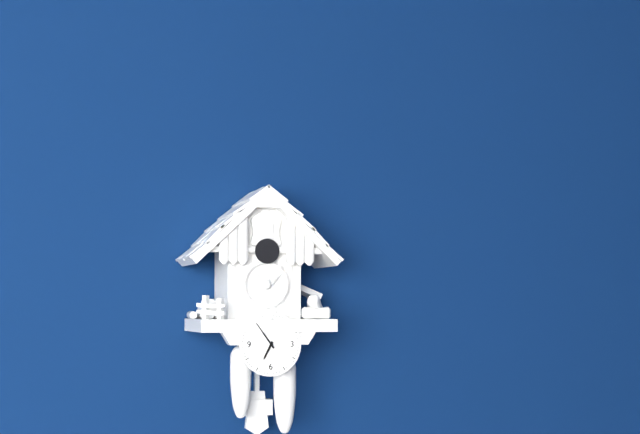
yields 6h54
